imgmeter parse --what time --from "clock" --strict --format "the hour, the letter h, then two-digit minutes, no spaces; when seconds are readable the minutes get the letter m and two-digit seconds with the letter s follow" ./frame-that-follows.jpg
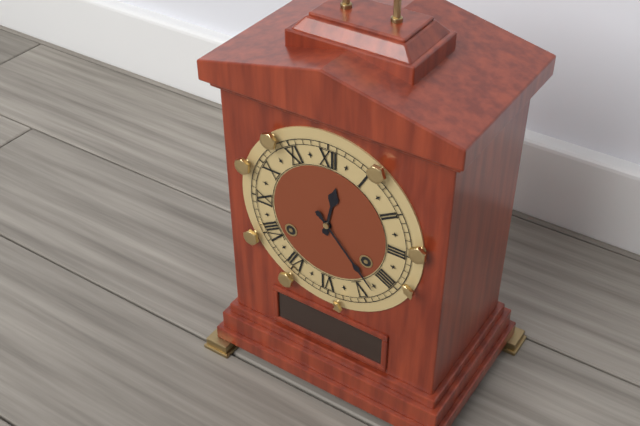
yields 12h23
